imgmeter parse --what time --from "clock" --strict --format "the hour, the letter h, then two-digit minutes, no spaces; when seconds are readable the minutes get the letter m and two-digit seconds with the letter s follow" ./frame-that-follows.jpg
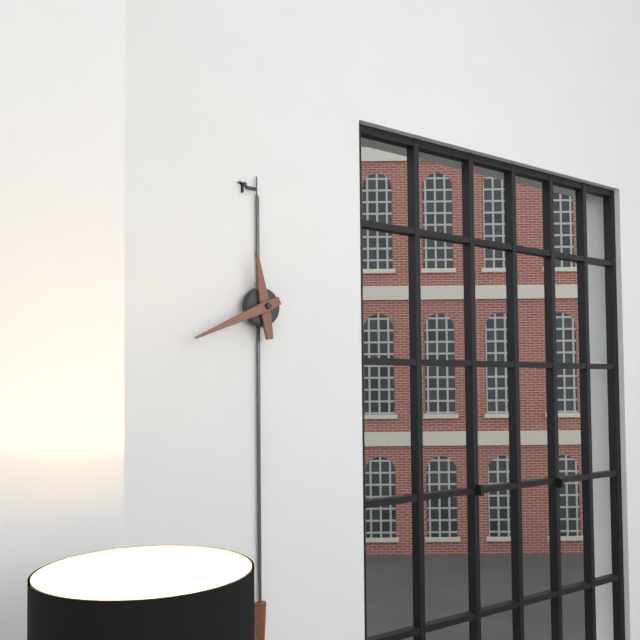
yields 11h41
